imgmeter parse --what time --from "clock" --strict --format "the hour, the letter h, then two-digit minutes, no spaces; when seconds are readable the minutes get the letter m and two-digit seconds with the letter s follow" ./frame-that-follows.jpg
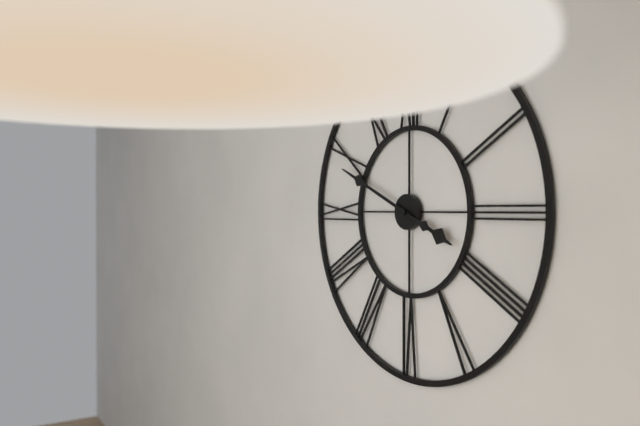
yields 3h49
